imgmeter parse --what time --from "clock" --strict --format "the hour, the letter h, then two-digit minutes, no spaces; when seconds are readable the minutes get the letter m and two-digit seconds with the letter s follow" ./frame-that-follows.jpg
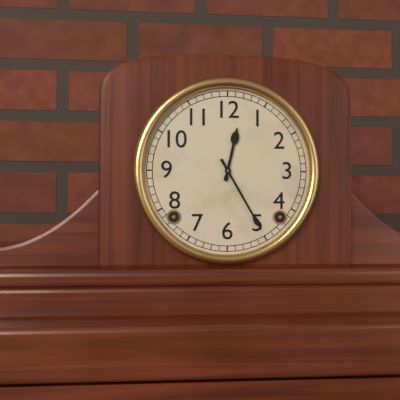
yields 12h25
